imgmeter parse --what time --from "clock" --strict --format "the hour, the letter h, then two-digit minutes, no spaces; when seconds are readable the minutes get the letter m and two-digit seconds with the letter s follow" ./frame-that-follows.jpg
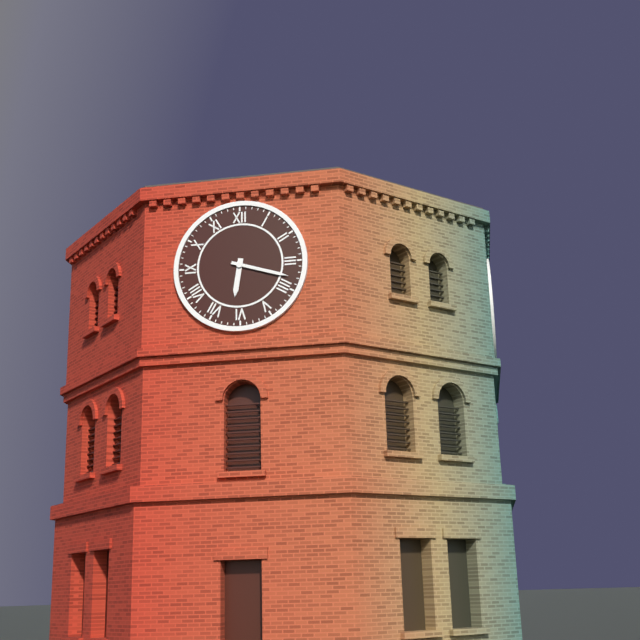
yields 6h18
